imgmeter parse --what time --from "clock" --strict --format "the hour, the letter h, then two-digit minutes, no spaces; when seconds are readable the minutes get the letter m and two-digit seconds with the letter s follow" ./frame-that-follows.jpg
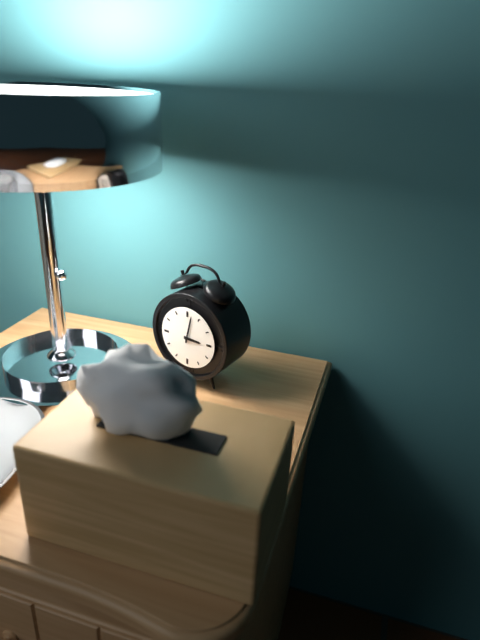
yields 3h02
